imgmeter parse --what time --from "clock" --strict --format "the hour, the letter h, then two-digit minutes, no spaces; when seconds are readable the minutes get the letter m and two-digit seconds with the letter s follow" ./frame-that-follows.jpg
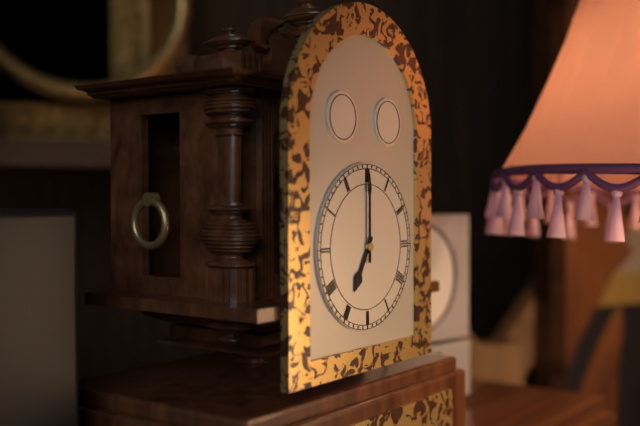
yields 7h00
